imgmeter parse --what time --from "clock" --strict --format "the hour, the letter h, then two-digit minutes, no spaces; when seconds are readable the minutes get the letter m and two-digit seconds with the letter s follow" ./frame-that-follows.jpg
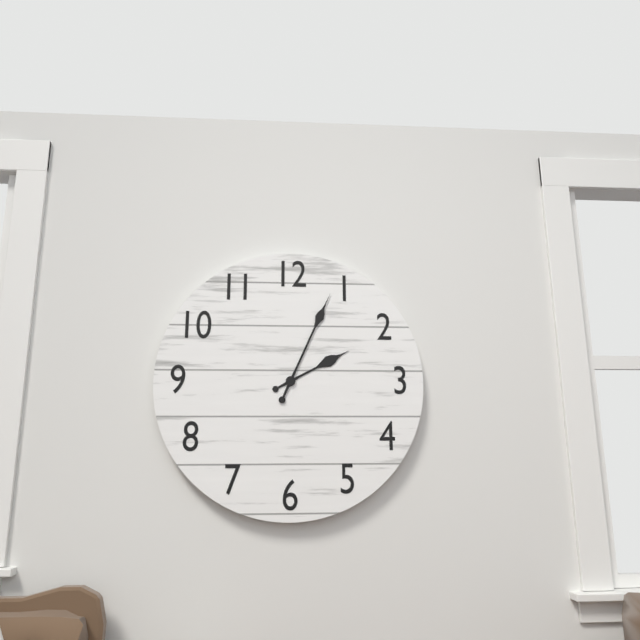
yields 2h04
